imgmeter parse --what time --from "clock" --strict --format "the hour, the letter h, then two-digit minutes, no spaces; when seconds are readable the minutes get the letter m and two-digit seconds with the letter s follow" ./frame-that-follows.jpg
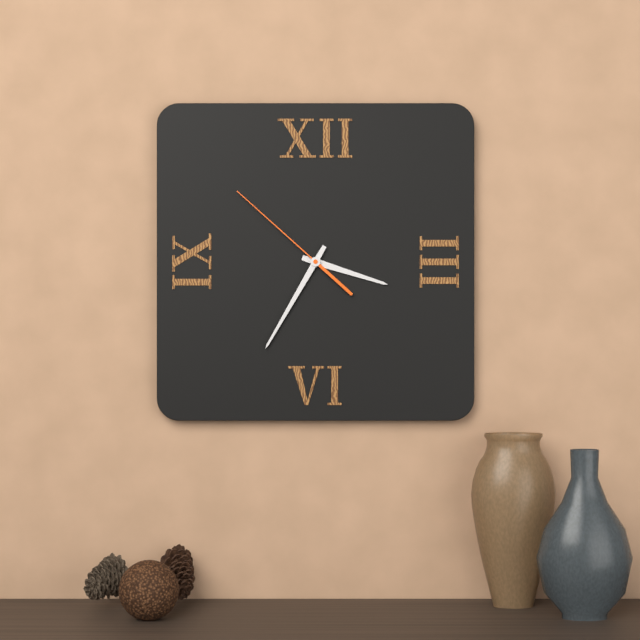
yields 3h35m52s
